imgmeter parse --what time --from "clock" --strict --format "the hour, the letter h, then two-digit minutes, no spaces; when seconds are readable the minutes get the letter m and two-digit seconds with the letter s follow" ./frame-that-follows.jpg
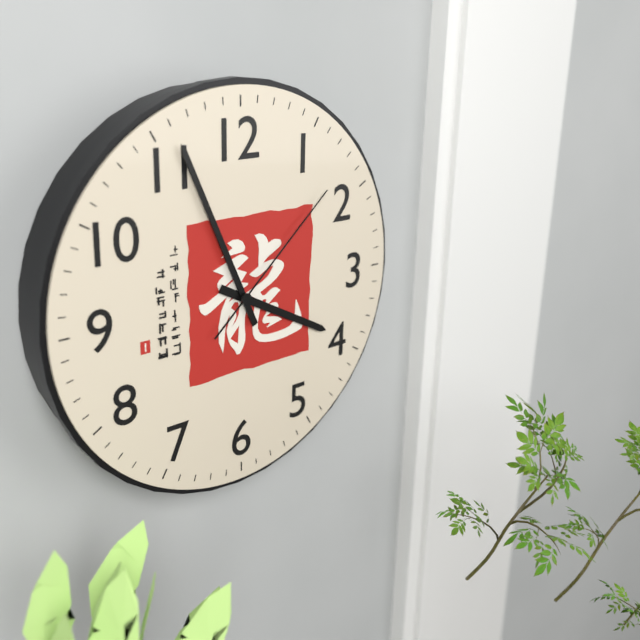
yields 3h56m08s
